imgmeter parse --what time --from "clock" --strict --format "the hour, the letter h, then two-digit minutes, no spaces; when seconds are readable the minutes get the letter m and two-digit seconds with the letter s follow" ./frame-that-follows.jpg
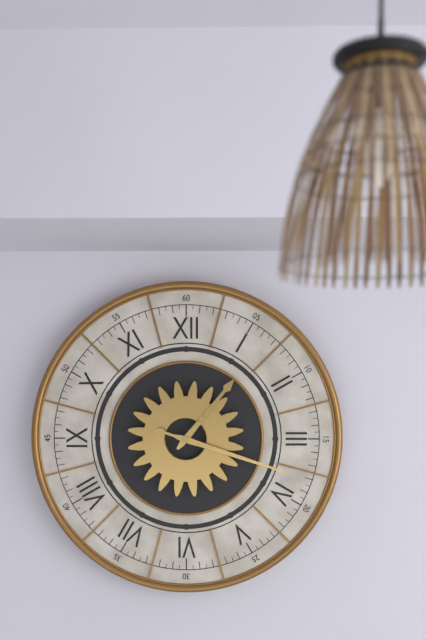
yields 1h18
